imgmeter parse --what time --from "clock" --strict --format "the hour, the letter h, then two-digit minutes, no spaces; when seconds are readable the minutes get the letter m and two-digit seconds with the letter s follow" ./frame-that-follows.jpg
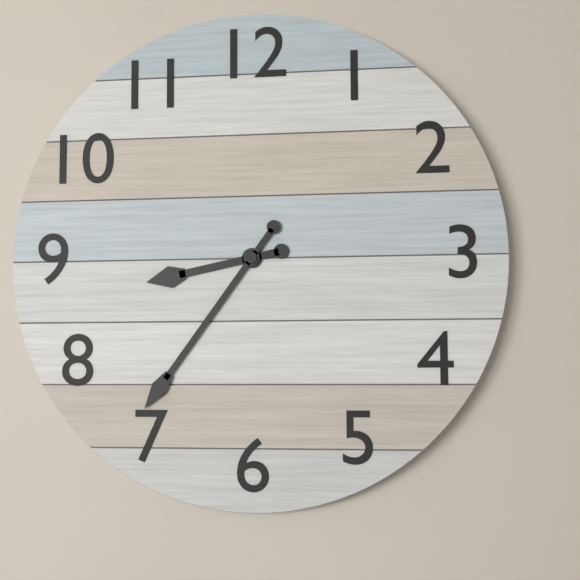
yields 8h36
